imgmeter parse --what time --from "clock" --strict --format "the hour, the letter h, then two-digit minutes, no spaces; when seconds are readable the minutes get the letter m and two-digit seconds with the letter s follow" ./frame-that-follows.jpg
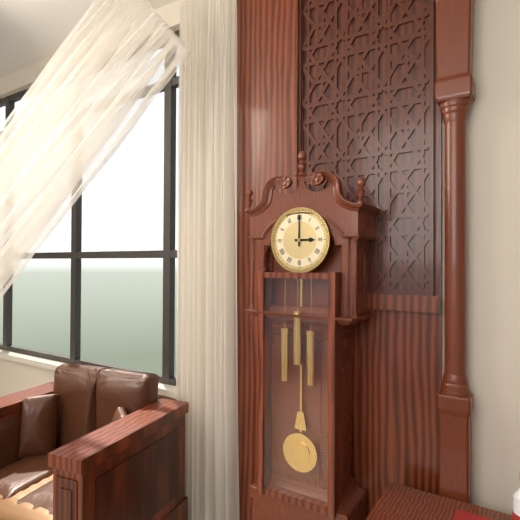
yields 3h00
